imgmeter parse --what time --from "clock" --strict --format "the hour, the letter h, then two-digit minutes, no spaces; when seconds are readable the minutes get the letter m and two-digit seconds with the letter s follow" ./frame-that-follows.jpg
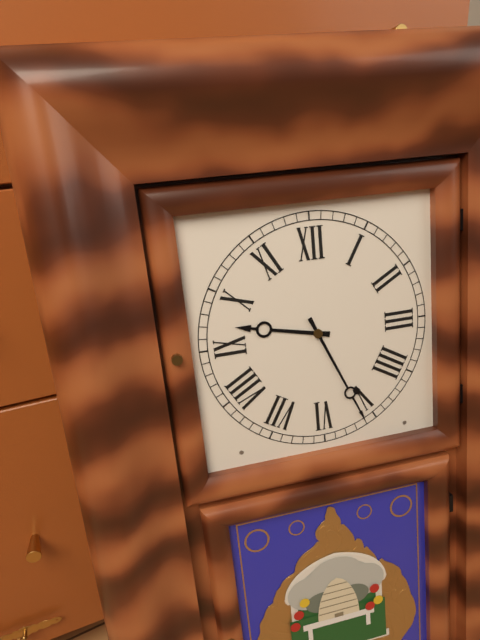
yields 9h26
